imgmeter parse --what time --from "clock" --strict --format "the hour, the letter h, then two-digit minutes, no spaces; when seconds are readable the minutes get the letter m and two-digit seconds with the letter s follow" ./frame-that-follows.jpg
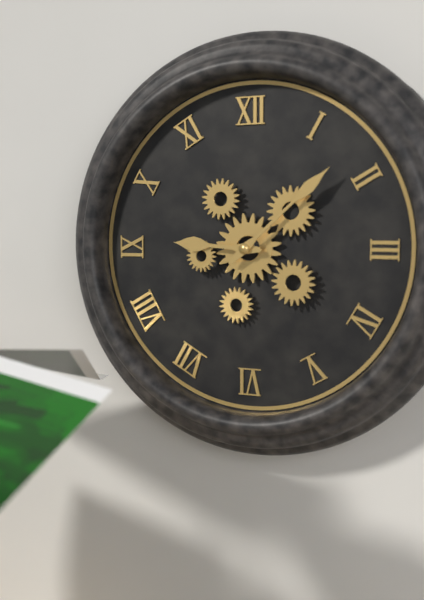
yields 9h08
